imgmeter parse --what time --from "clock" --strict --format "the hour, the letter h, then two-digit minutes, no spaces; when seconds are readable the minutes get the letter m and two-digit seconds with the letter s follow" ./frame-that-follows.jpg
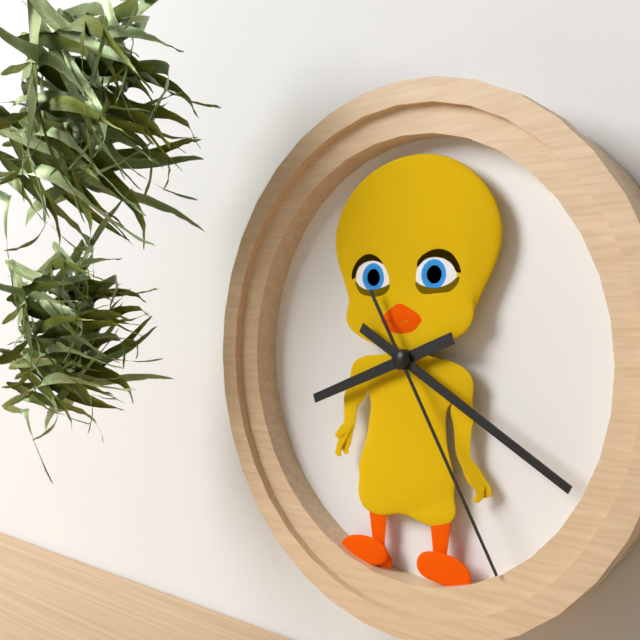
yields 8h20m25s
